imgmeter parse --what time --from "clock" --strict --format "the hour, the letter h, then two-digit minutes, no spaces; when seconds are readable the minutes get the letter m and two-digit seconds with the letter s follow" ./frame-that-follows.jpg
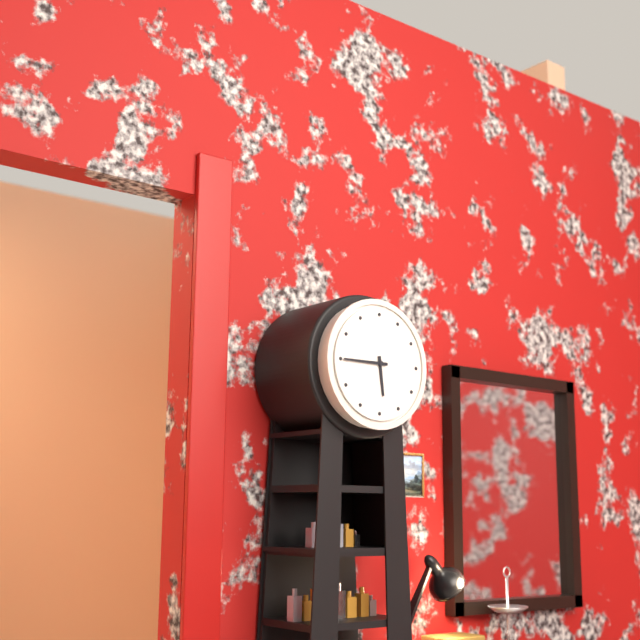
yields 5h45
